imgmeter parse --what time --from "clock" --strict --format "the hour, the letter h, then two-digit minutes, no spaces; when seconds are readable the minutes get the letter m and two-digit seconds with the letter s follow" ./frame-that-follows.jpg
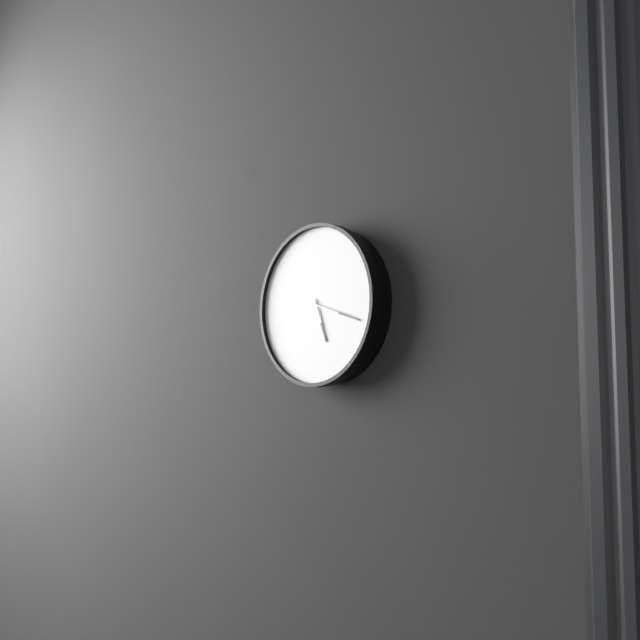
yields 5h18
